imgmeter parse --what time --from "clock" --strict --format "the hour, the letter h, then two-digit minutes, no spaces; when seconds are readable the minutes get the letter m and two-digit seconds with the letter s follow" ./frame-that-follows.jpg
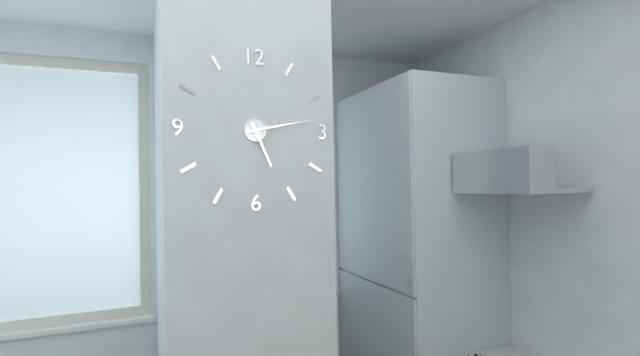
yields 5h13
